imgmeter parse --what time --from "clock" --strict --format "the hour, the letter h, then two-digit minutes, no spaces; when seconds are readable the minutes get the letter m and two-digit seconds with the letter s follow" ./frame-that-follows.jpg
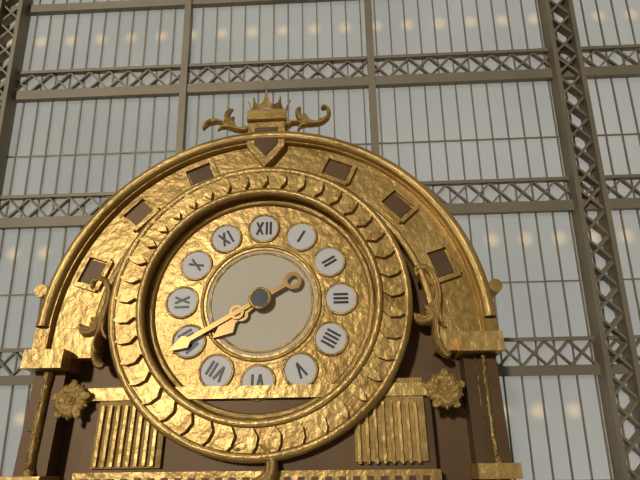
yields 7h40
